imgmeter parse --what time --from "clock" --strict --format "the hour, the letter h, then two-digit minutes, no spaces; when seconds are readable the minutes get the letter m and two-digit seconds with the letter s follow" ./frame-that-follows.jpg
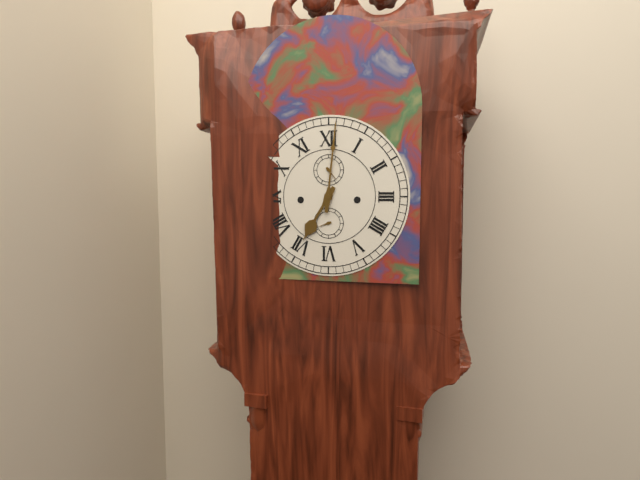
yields 7h01
